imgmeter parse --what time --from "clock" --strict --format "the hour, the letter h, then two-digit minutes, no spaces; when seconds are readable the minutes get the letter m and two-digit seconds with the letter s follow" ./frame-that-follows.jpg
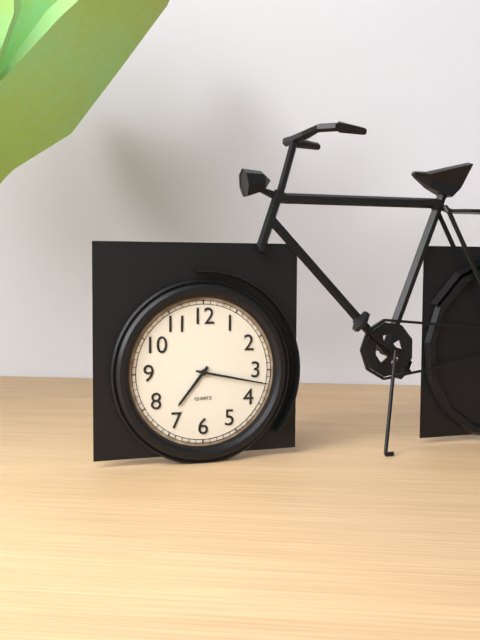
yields 7h17
